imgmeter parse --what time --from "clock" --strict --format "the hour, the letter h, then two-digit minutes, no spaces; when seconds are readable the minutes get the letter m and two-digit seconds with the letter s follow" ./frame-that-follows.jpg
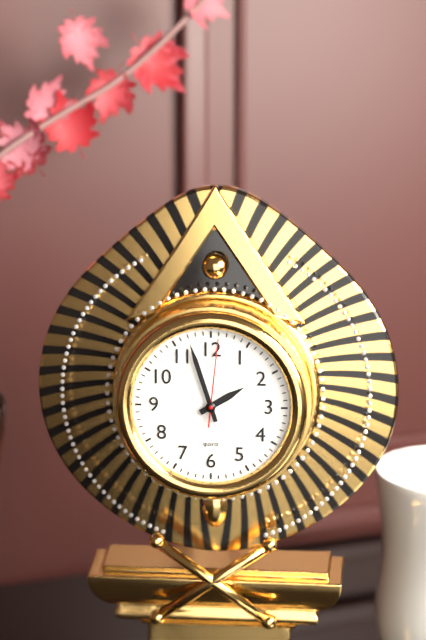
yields 1h57m01s
